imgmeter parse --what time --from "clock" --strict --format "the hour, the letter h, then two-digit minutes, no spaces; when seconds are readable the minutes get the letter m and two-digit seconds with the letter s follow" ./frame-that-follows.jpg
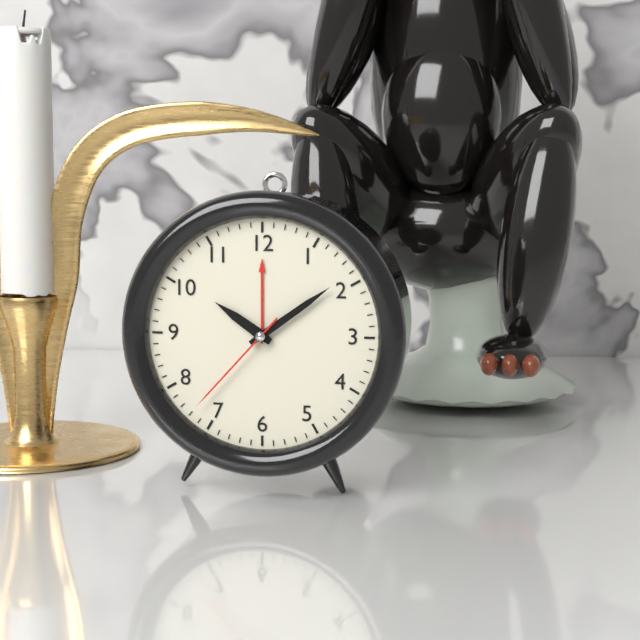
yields 10h09m37s
